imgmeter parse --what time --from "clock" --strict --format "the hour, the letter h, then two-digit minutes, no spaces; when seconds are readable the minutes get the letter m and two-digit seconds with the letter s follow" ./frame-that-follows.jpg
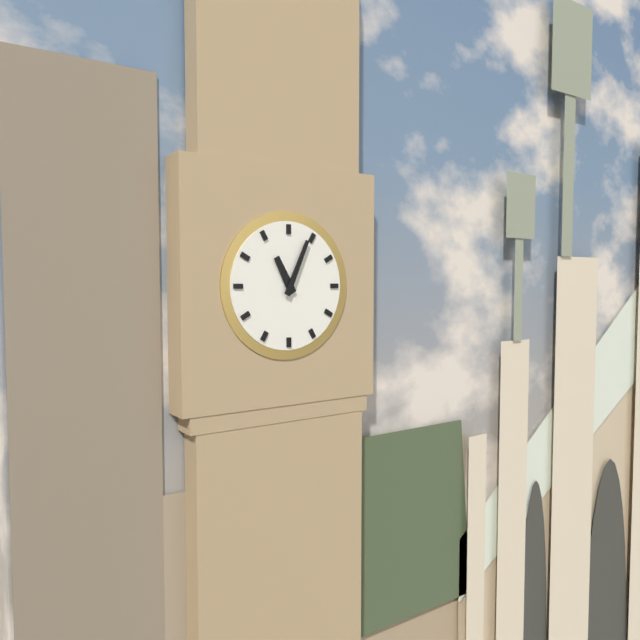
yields 11h04
